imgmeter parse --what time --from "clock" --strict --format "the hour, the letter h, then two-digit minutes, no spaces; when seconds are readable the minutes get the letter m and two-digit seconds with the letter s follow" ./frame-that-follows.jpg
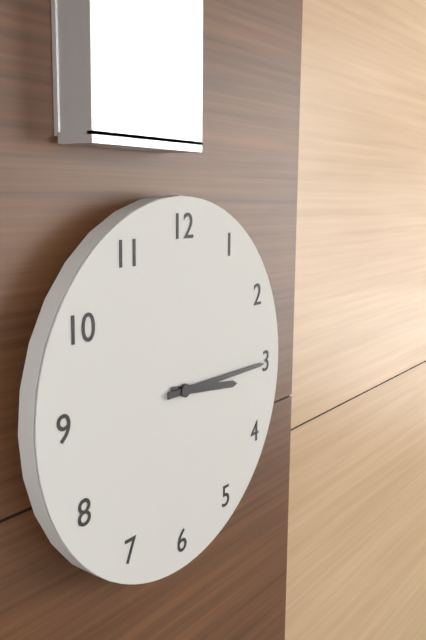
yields 3h15
